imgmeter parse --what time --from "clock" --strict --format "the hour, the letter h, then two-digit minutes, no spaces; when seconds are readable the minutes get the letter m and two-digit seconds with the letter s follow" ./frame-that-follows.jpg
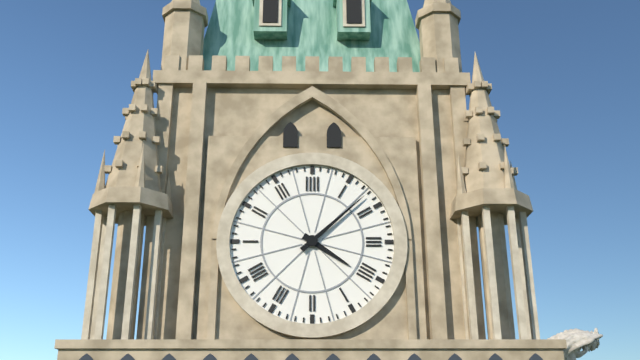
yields 4h08
